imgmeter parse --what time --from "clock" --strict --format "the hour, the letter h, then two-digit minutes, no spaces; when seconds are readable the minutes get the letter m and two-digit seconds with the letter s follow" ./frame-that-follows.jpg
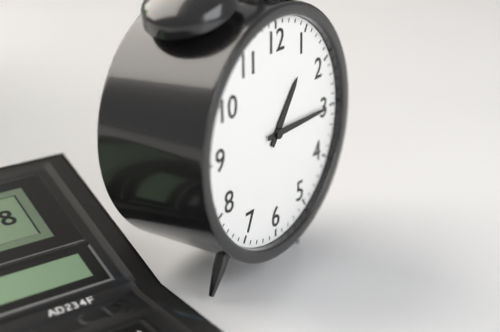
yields 1h15
